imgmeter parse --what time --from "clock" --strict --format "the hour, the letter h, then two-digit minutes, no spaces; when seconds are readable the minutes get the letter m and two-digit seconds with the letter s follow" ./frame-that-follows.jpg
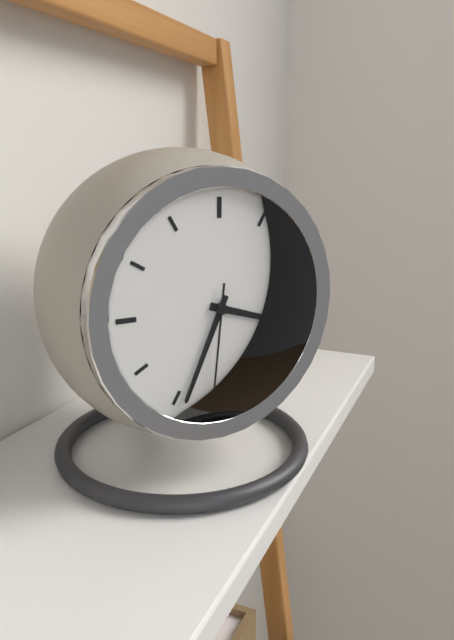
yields 3h34m31s
